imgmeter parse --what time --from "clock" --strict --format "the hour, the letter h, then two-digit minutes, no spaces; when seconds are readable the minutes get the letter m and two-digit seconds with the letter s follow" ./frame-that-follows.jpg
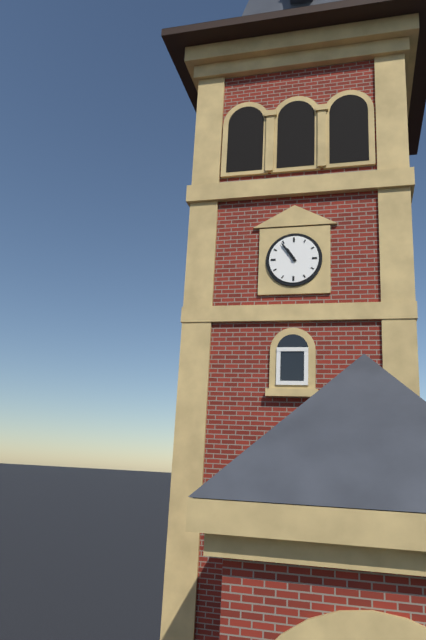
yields 10h54
